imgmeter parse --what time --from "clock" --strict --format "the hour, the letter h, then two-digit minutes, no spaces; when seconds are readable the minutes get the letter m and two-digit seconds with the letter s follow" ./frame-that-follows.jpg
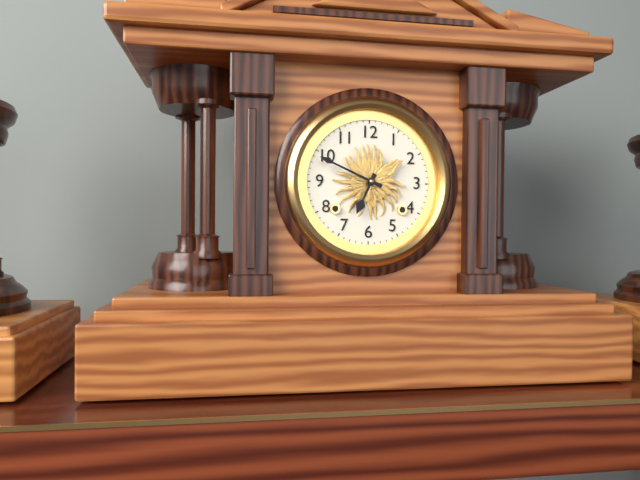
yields 6h49
